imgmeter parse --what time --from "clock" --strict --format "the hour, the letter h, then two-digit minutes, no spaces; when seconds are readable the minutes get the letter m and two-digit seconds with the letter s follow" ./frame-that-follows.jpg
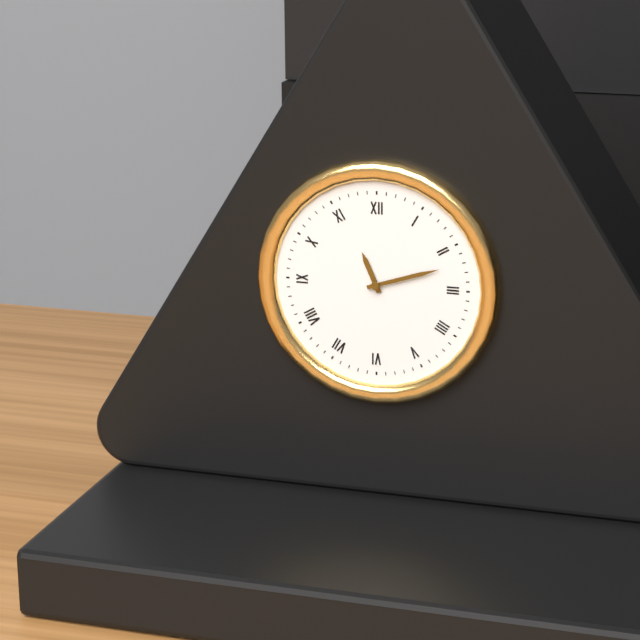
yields 11h12
